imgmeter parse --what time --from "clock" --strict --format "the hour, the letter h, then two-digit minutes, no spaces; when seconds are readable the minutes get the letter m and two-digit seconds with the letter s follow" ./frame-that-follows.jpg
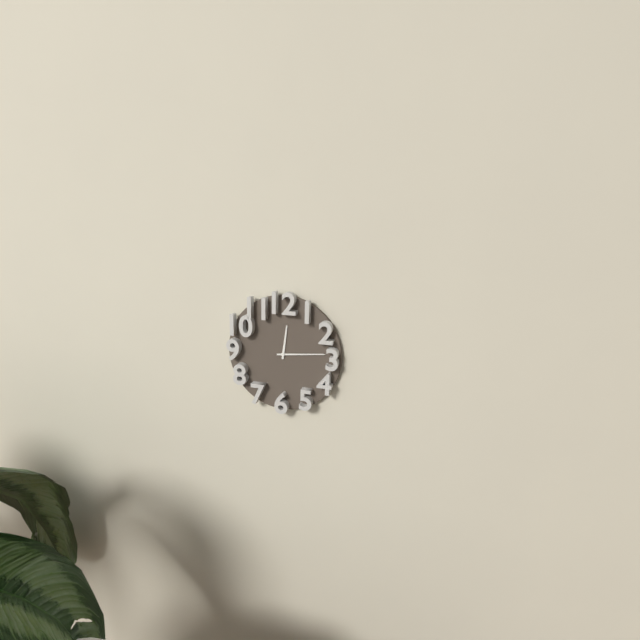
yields 12h14
